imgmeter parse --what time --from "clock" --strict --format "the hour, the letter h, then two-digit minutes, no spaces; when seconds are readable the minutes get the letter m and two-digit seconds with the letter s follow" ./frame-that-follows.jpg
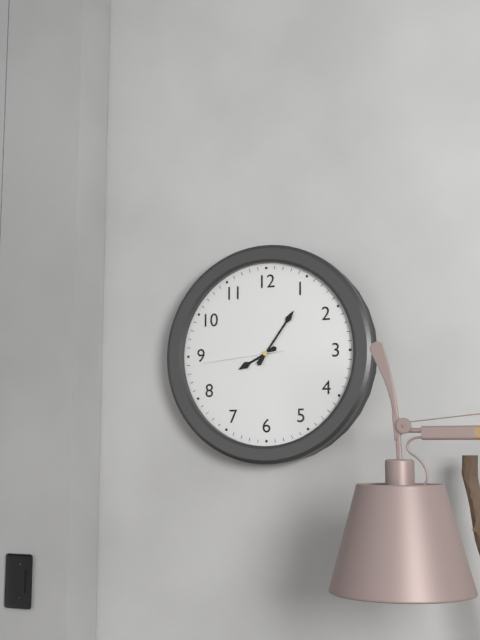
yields 8h06m44s
